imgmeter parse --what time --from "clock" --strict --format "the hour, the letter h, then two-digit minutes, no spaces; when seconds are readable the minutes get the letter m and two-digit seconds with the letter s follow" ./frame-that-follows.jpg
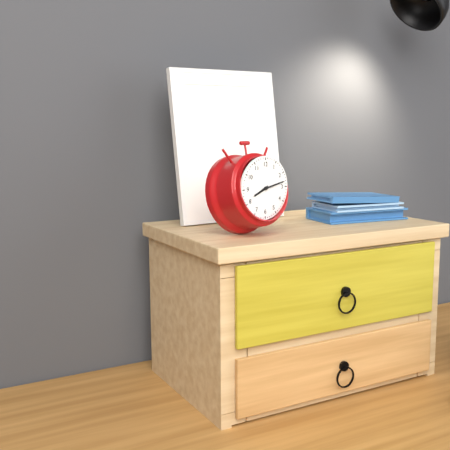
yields 8h13
